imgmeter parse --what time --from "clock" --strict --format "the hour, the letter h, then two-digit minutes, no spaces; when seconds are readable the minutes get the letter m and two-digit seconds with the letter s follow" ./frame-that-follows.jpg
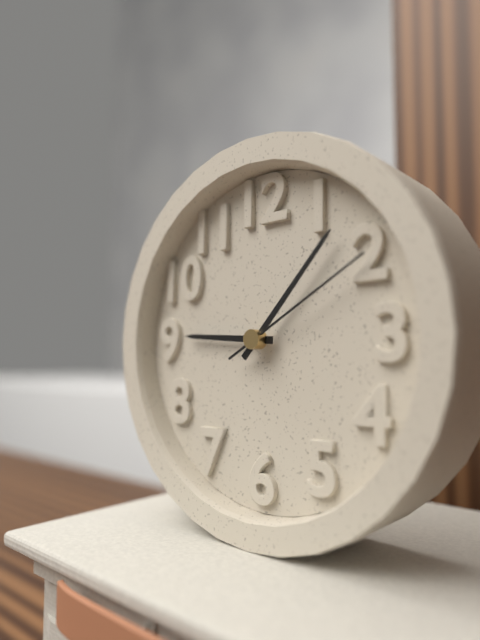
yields 9h07m10s
